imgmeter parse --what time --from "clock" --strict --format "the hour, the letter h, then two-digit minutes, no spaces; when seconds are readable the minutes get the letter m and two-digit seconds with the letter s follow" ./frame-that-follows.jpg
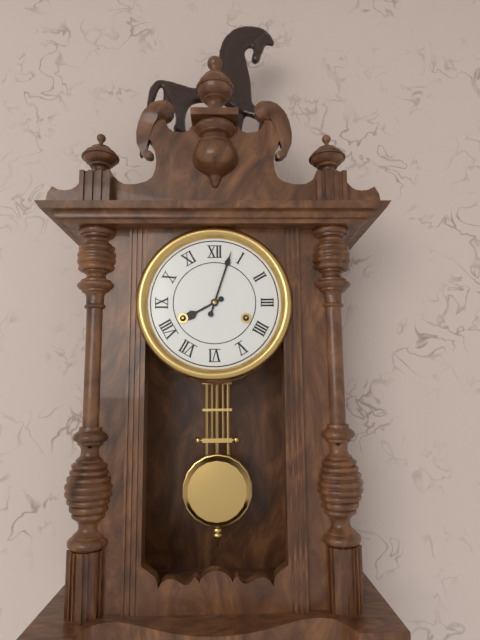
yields 8h03
